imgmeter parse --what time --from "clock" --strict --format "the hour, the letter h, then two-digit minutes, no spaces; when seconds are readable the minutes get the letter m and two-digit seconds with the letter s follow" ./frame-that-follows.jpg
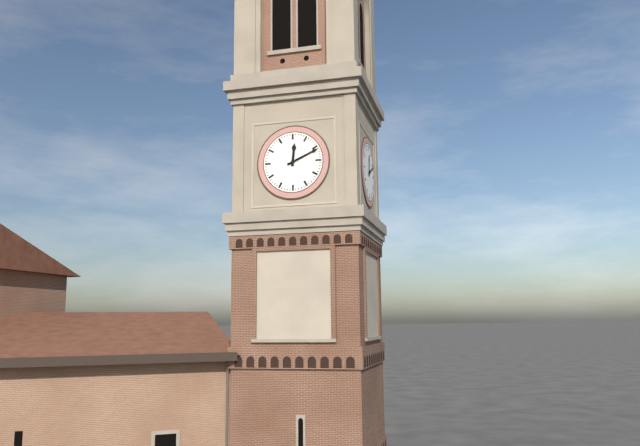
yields 12h11
